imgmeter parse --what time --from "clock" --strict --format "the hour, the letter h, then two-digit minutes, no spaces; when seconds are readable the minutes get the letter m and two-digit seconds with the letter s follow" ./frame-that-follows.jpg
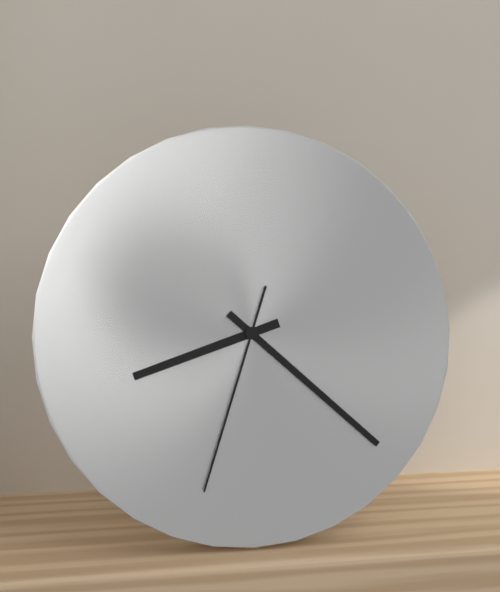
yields 8h22m33s
